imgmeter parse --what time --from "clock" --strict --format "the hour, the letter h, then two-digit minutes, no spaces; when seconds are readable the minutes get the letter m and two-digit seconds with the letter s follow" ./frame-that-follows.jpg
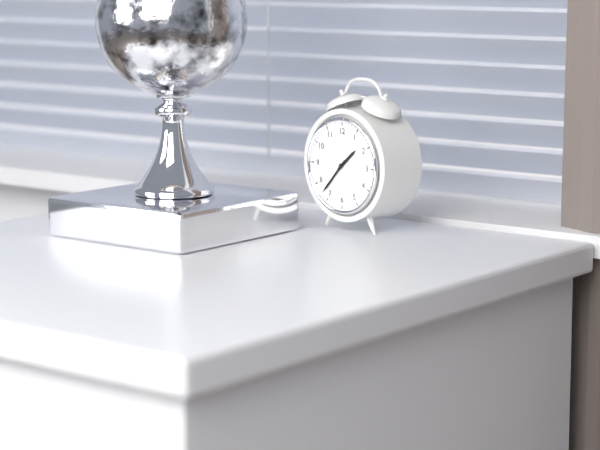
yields 1h37
